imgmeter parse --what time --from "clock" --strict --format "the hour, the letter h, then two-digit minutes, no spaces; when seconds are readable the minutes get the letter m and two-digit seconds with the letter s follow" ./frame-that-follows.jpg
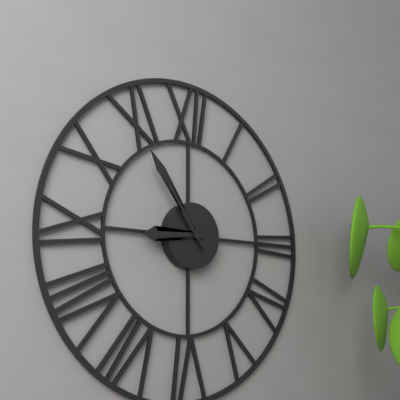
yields 8h54
